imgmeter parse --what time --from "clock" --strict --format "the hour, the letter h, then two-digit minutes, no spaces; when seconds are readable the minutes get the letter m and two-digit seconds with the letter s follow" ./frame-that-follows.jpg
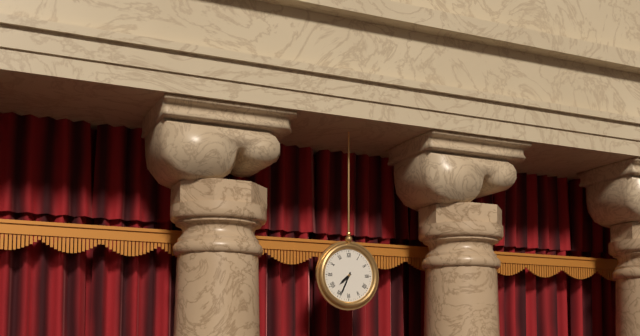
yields 7h34
